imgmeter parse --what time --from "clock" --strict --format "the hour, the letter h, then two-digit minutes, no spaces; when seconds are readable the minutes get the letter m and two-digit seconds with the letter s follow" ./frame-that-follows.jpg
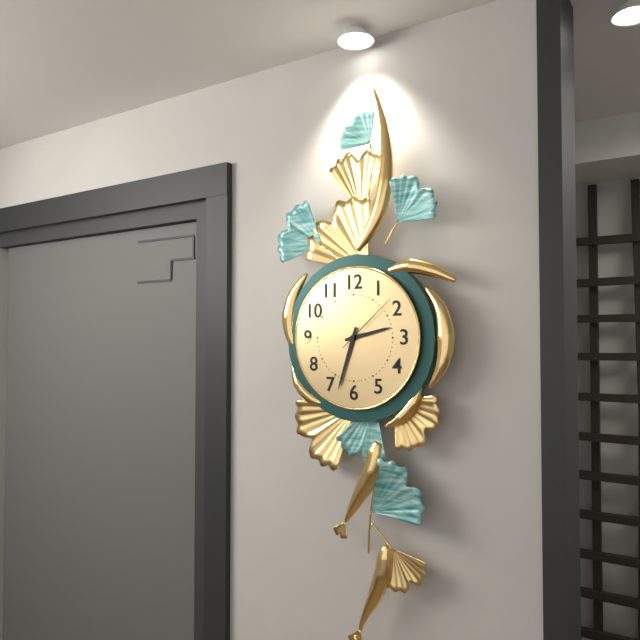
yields 2h33m08s
